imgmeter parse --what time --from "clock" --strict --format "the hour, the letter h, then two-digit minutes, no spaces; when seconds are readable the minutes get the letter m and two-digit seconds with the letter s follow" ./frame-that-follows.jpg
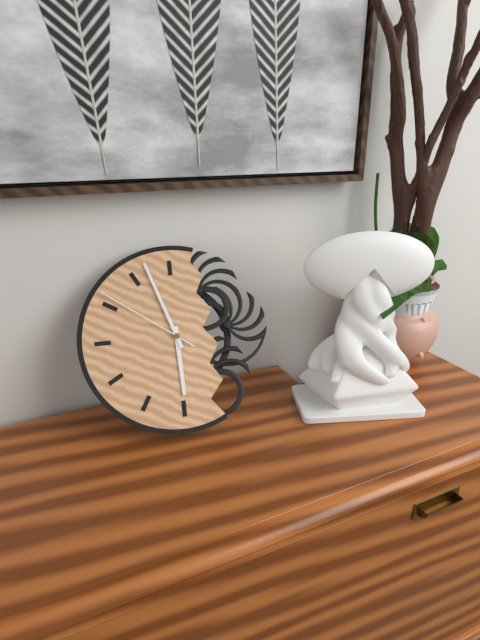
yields 5h57m51s
